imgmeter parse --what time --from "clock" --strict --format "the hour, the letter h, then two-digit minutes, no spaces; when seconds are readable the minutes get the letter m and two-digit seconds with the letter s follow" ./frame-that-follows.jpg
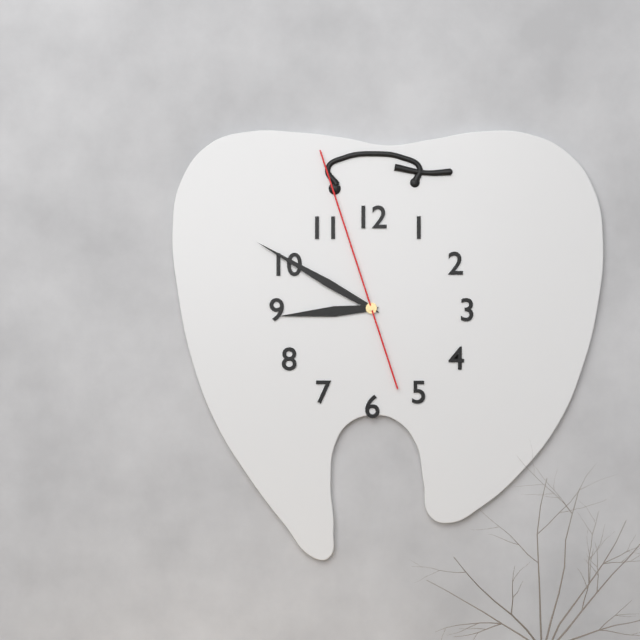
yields 8h50m57s
